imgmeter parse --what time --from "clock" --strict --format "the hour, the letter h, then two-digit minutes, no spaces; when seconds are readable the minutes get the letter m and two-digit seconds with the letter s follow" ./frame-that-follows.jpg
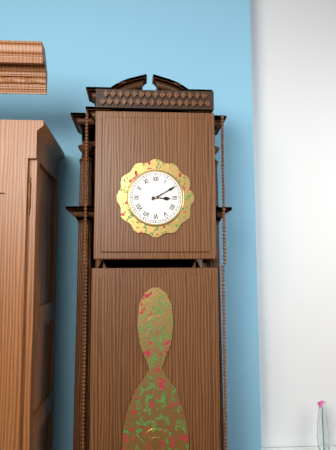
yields 3h10
